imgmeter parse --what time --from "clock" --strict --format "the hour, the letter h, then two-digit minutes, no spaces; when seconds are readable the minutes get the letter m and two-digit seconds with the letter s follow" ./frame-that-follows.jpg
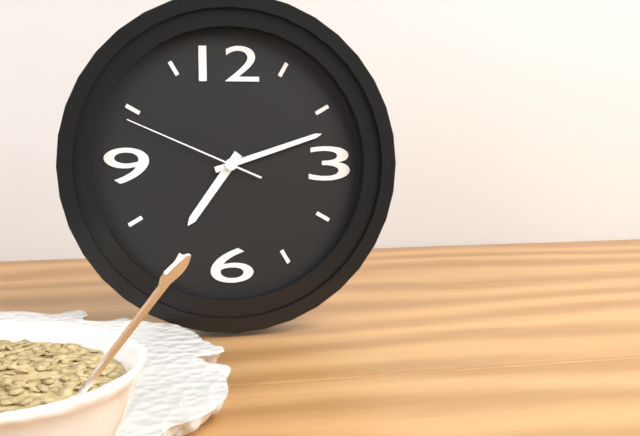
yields 7h12m49s
